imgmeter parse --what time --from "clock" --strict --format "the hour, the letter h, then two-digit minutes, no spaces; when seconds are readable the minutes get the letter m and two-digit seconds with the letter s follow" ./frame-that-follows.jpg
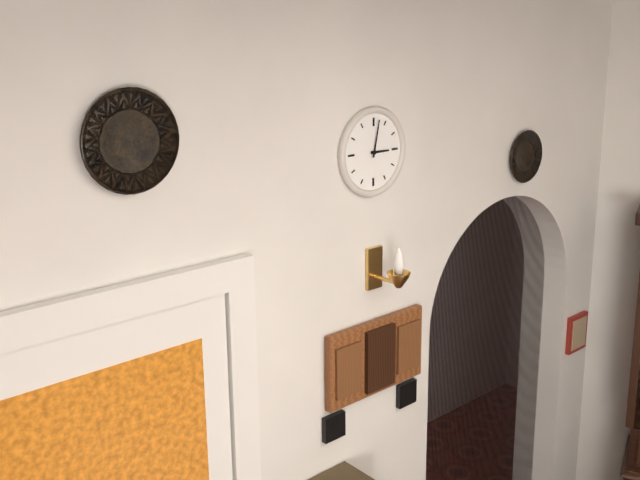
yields 3h02
